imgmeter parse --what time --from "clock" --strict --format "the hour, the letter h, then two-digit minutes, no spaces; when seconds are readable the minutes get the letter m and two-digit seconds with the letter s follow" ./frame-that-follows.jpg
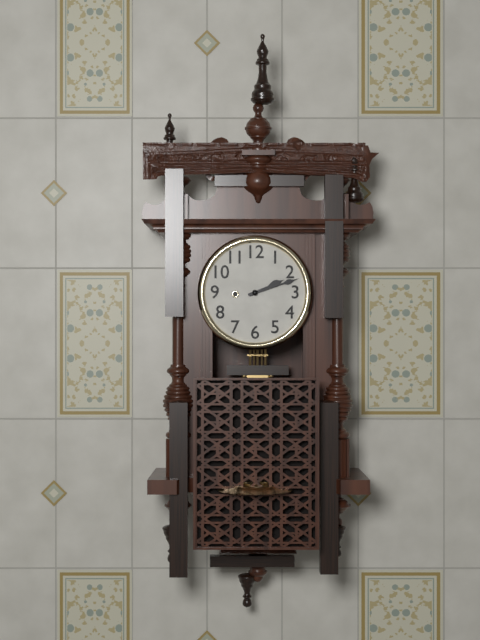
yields 2h12
